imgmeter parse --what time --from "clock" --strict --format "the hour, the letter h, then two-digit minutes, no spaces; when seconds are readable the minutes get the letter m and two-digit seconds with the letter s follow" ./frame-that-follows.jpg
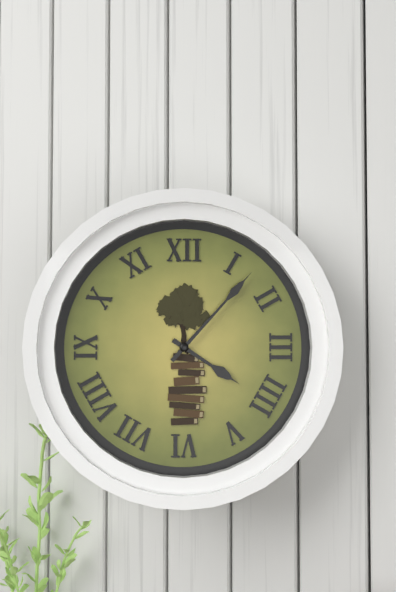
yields 4h07
